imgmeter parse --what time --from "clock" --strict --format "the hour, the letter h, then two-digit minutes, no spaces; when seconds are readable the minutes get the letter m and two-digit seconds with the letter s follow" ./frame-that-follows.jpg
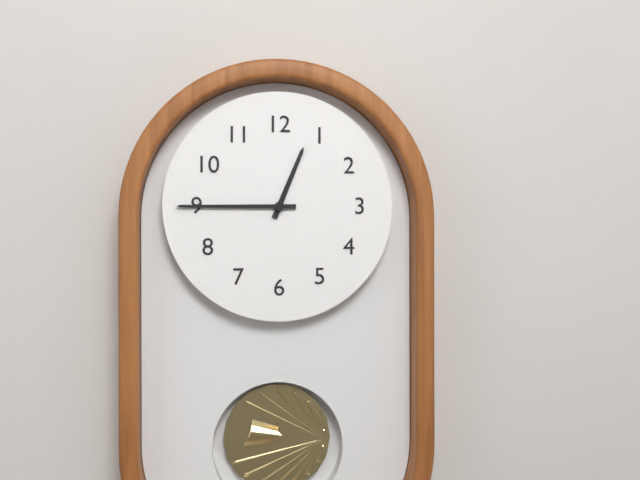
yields 12h45
